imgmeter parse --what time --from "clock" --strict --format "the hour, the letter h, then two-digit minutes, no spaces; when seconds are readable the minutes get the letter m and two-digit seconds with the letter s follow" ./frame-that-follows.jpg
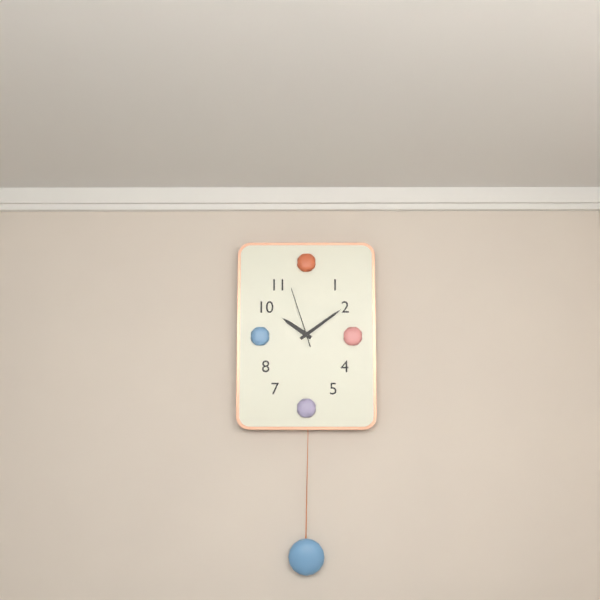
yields 10h09m57s
